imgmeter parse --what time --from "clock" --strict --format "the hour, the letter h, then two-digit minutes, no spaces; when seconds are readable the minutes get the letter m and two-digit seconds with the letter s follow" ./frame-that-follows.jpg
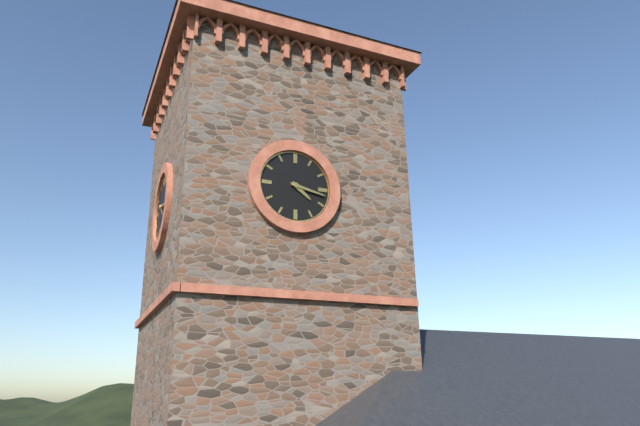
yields 4h17
